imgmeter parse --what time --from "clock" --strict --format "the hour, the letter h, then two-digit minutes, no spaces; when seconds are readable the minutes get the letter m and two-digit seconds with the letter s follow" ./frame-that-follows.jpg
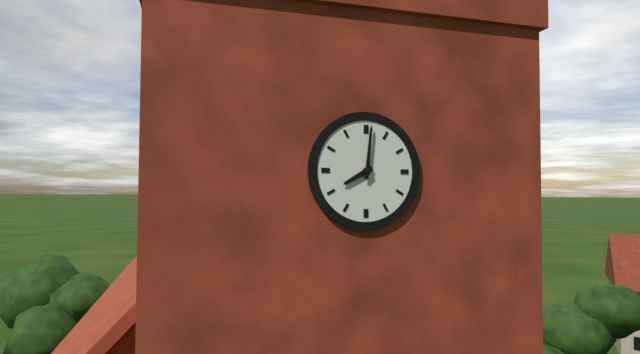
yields 8h01
